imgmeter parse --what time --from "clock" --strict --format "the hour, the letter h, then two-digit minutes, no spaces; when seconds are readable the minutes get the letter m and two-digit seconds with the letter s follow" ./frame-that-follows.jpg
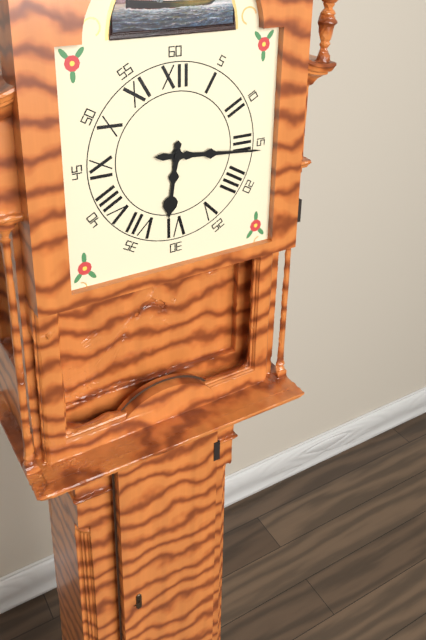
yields 6h16
